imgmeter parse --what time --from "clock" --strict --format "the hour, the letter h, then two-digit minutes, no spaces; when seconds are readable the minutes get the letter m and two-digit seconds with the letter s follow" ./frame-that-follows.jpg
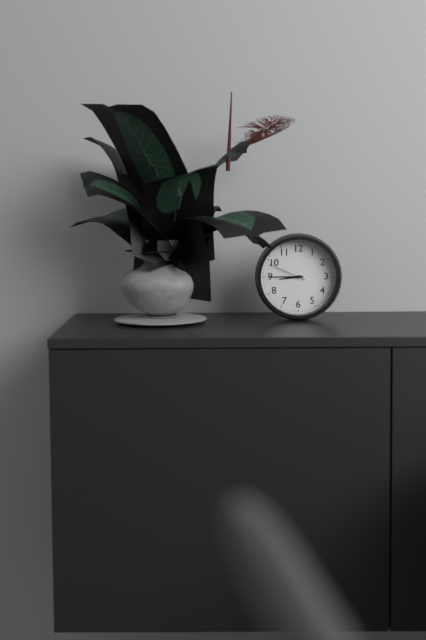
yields 8h45
